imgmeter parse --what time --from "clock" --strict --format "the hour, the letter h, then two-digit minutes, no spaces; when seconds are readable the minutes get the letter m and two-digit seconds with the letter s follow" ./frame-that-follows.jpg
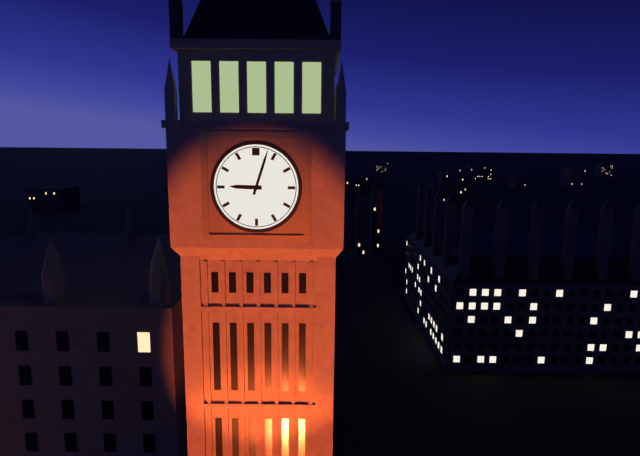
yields 9h03
